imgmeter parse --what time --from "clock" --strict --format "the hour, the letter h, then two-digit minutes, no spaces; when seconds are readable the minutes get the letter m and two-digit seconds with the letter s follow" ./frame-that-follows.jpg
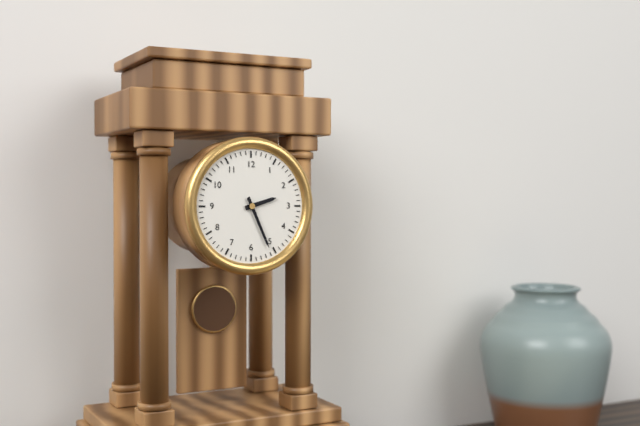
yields 2h26
